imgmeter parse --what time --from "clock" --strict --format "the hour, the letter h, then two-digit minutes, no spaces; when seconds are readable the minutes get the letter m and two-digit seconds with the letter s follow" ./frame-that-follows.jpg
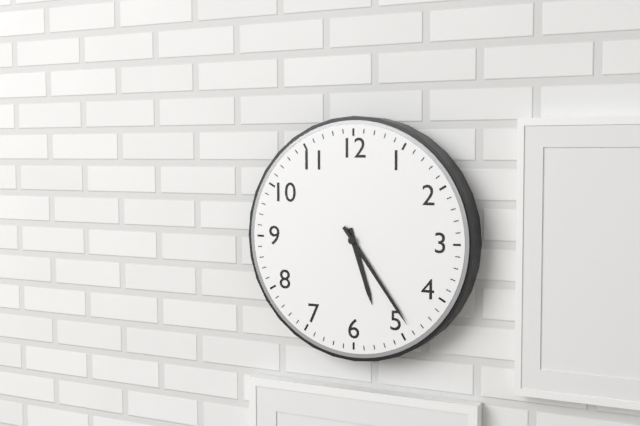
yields 5h24
